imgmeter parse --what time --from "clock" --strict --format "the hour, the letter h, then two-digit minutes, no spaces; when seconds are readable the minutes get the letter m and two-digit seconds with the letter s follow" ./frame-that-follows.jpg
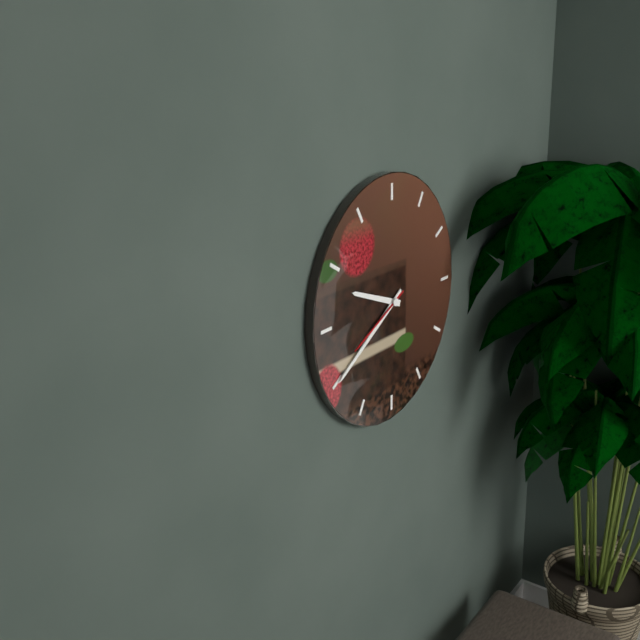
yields 9h40m41s
